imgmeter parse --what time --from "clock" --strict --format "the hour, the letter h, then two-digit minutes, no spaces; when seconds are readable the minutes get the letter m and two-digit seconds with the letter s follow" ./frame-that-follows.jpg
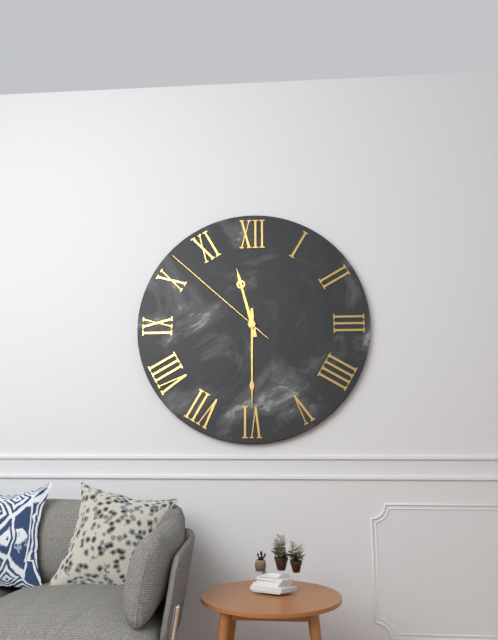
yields 11h30m52s
